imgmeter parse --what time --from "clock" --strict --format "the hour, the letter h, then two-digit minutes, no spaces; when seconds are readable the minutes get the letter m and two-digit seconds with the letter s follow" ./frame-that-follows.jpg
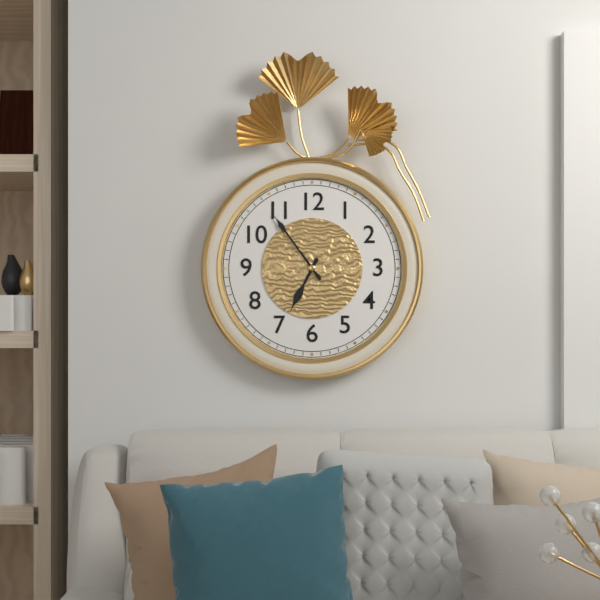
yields 6h54
